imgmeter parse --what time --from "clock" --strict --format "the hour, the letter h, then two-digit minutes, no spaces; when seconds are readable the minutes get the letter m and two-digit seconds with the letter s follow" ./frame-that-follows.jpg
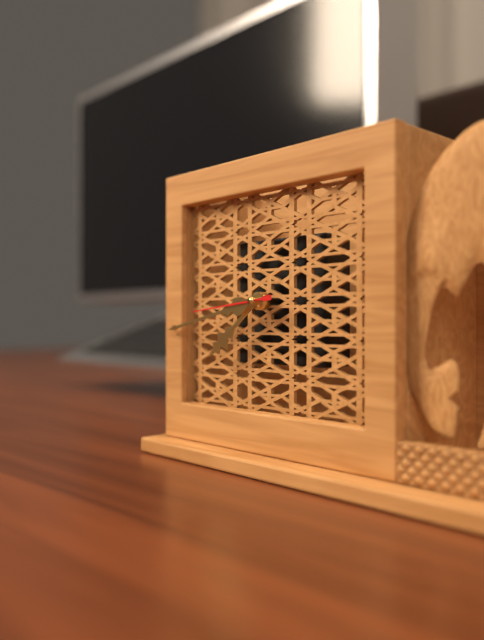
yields 7h43m44s
